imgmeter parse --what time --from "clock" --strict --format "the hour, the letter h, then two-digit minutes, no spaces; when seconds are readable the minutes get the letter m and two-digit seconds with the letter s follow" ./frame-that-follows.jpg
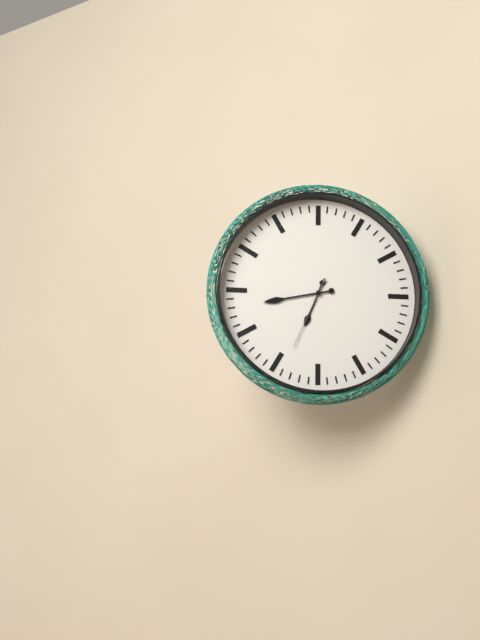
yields 6h43m34s
